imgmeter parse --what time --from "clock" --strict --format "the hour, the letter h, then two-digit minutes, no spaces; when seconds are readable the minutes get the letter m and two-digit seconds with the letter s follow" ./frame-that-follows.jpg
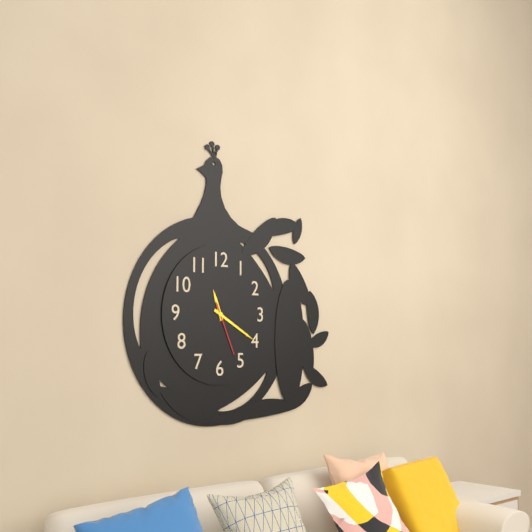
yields 11h20m26s
